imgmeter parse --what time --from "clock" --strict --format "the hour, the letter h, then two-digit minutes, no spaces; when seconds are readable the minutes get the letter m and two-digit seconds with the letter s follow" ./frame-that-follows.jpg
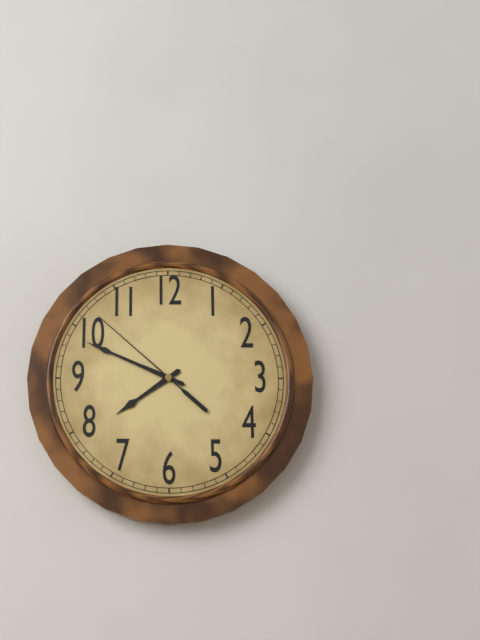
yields 7h49m52s
